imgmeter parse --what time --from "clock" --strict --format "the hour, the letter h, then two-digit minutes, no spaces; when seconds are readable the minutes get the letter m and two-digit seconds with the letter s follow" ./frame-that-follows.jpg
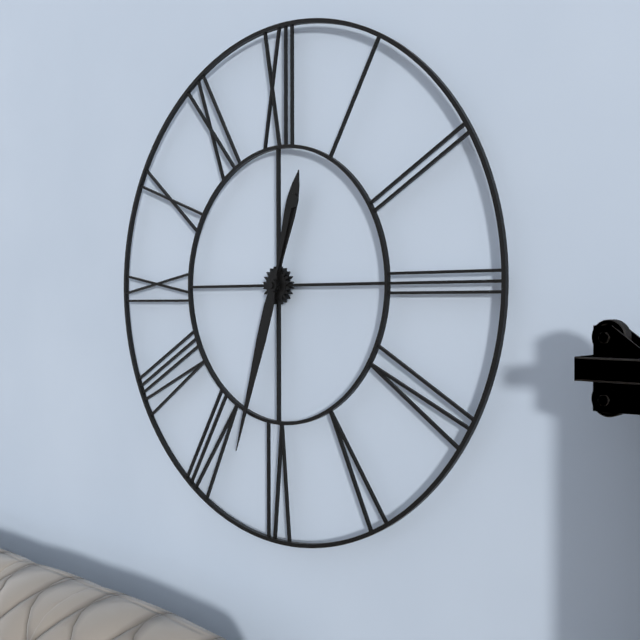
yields 12h33
